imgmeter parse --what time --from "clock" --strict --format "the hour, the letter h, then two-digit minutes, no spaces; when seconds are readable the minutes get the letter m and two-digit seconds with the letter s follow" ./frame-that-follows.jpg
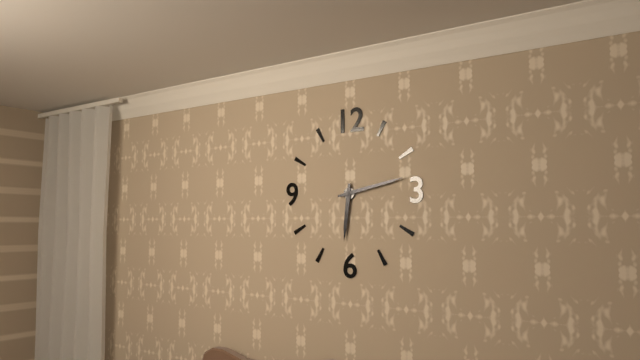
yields 6h13
